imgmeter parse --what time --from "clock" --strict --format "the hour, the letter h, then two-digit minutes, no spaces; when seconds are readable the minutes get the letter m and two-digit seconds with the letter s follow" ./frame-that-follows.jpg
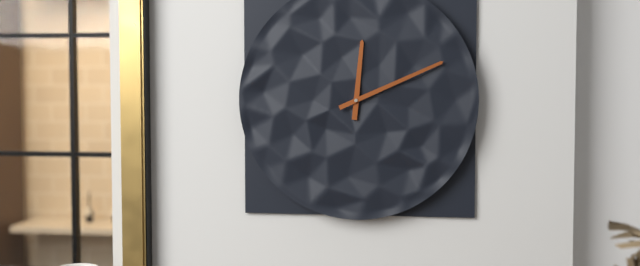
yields 12h11
